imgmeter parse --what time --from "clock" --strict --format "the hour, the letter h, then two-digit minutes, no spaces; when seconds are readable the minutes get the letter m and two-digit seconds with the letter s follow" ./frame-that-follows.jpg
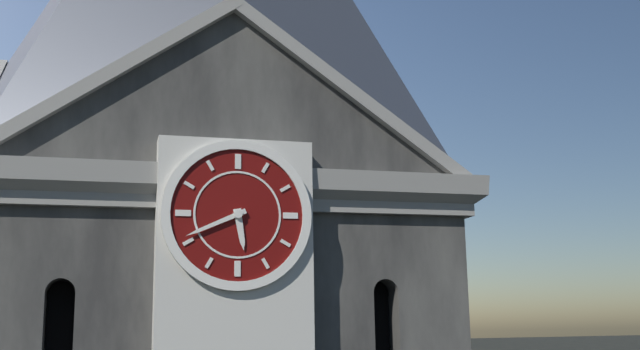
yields 5h41
